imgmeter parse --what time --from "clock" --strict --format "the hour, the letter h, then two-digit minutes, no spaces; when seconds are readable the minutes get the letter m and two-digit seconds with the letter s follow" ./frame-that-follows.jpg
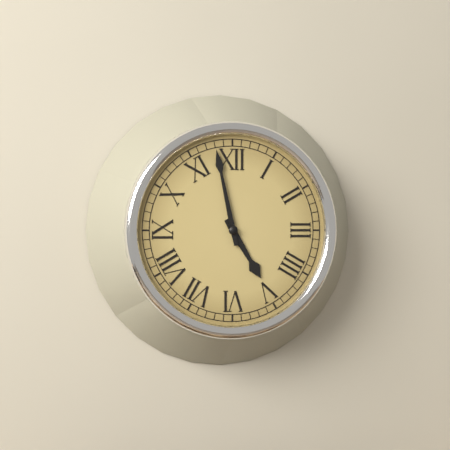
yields 4h58
